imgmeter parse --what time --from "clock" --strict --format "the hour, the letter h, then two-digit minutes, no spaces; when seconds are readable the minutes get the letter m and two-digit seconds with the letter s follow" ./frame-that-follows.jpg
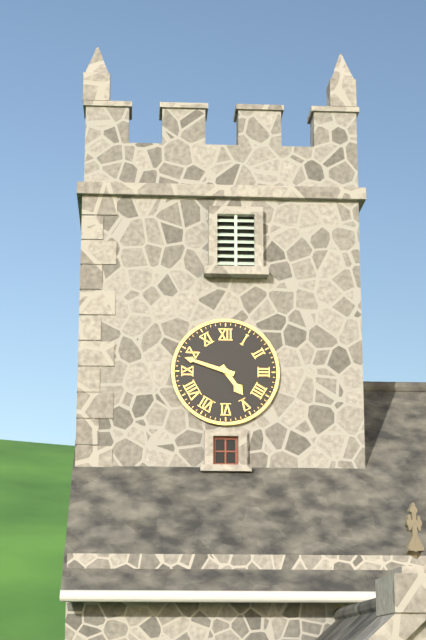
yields 4h48
